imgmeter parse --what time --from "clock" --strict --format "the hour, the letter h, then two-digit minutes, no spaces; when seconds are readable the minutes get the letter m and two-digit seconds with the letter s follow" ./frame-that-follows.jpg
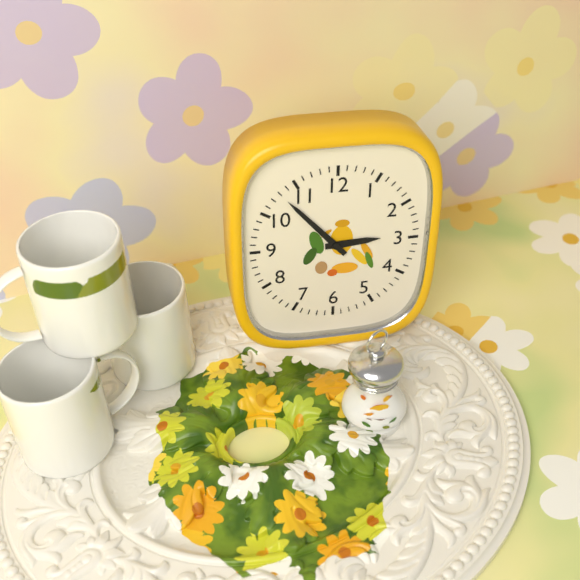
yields 2h53
